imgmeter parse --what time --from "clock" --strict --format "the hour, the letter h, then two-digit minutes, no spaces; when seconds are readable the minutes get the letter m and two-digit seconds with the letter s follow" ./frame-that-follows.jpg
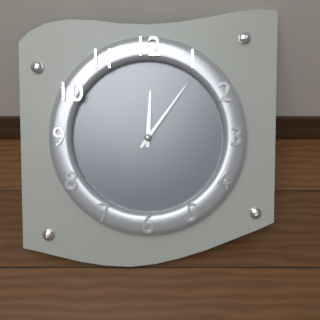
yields 12h06
